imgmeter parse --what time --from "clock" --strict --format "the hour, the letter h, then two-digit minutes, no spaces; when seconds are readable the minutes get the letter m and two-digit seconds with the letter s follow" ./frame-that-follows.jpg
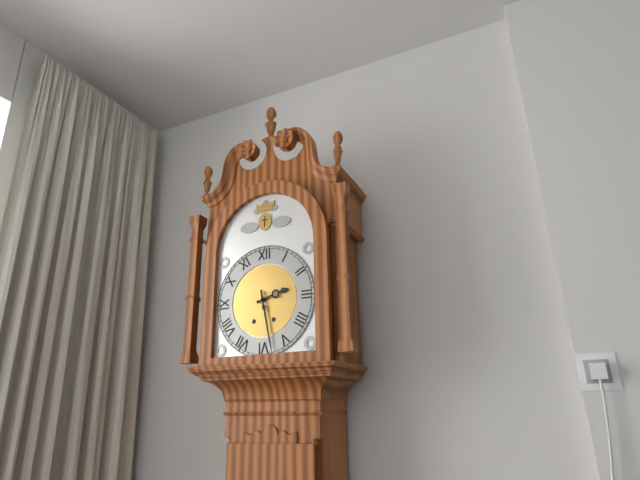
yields 2h28
